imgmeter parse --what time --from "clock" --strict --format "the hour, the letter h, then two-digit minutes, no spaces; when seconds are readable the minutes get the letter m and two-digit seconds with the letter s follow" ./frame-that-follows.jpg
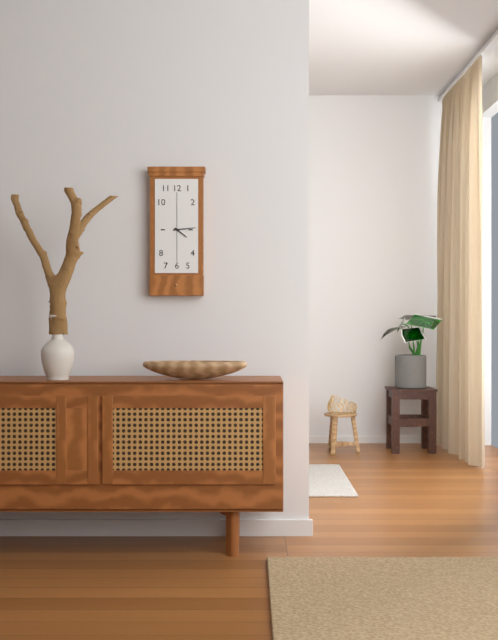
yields 4h14
